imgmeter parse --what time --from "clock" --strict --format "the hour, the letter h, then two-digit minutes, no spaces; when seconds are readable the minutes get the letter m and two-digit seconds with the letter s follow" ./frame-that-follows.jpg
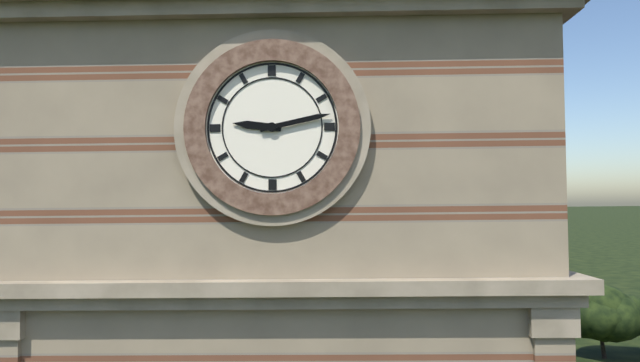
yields 9h13
